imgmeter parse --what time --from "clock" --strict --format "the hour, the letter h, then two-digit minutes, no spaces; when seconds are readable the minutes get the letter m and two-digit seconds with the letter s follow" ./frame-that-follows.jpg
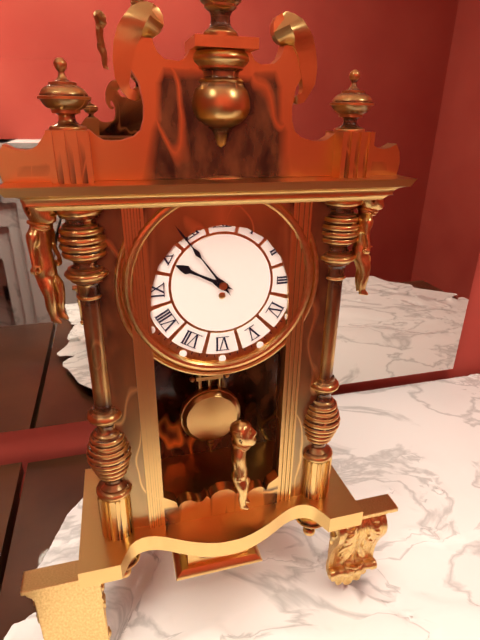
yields 9h54
